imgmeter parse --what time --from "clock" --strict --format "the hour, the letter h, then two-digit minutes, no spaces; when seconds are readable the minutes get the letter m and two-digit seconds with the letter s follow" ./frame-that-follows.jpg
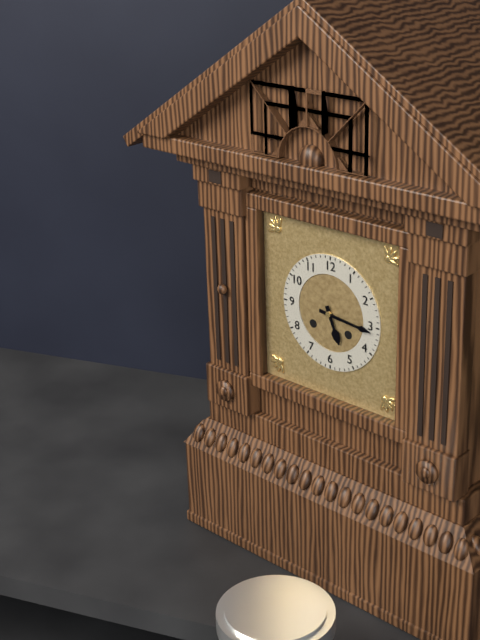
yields 5h16
